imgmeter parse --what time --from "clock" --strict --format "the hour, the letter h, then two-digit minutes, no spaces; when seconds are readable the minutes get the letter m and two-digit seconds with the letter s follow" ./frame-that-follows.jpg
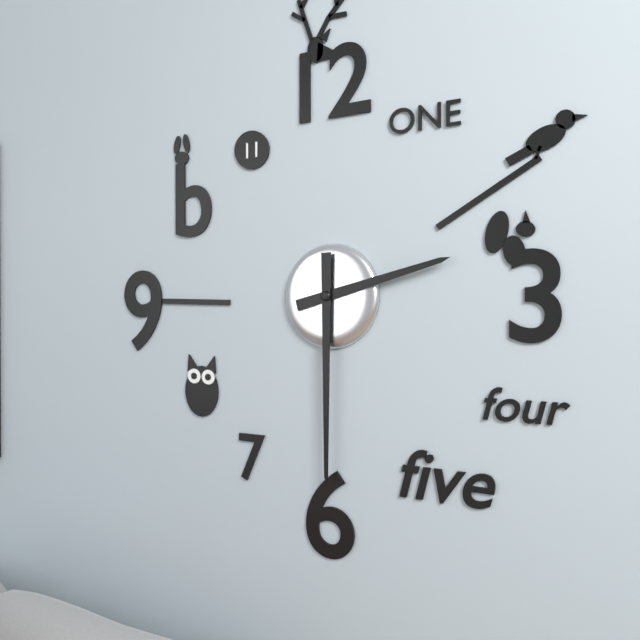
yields 2h30
